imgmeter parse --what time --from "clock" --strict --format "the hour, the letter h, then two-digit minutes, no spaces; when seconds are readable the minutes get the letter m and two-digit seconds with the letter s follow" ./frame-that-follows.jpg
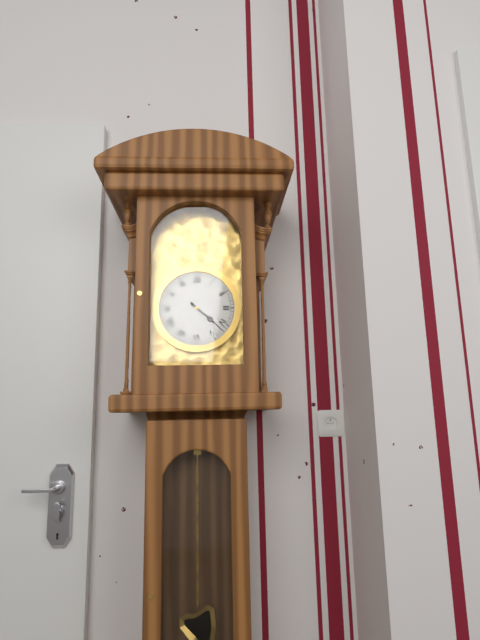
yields 4h22
